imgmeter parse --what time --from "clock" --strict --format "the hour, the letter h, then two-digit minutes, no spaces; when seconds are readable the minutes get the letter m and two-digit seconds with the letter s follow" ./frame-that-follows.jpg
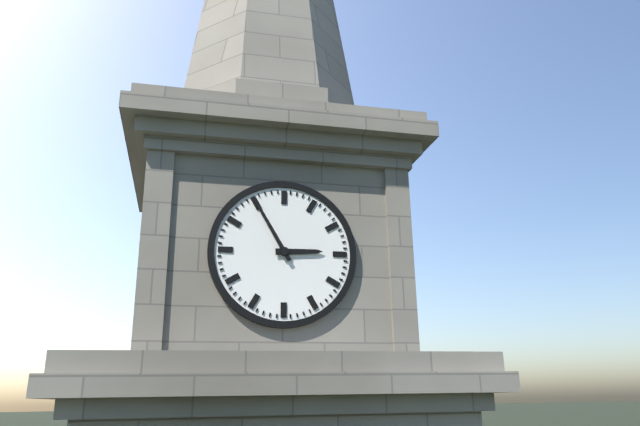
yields 2h55
